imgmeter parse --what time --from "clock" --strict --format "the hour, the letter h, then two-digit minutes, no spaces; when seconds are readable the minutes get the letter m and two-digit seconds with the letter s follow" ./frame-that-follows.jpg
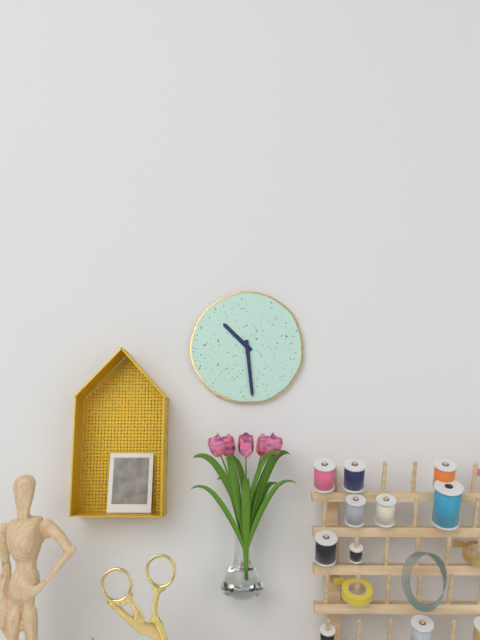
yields 10h29
